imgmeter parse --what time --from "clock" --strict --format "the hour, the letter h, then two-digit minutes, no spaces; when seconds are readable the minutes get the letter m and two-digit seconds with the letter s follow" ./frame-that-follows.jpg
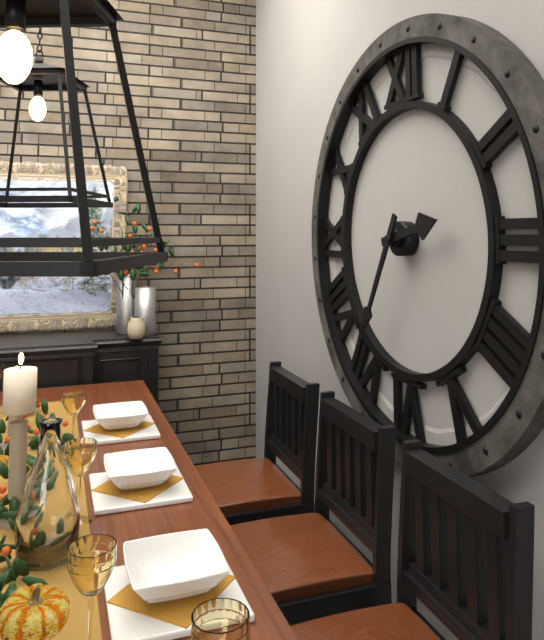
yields 2h35
